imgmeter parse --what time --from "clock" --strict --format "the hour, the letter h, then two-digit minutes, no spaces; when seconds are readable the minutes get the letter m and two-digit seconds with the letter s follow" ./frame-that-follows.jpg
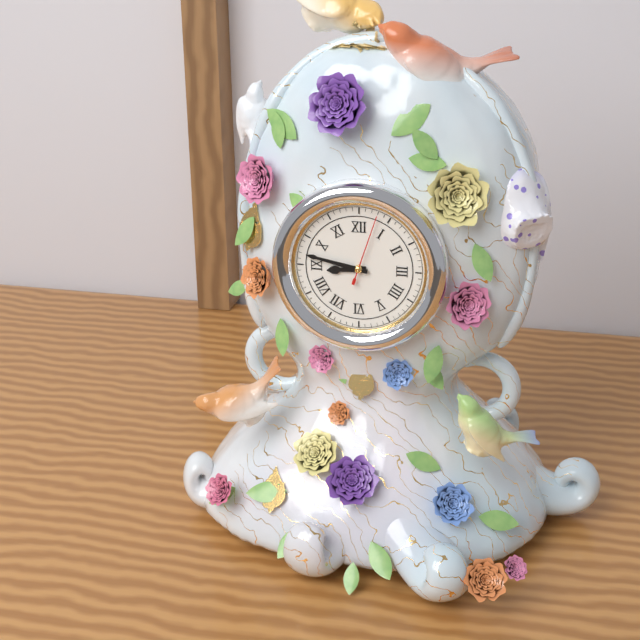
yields 8h47m03s
